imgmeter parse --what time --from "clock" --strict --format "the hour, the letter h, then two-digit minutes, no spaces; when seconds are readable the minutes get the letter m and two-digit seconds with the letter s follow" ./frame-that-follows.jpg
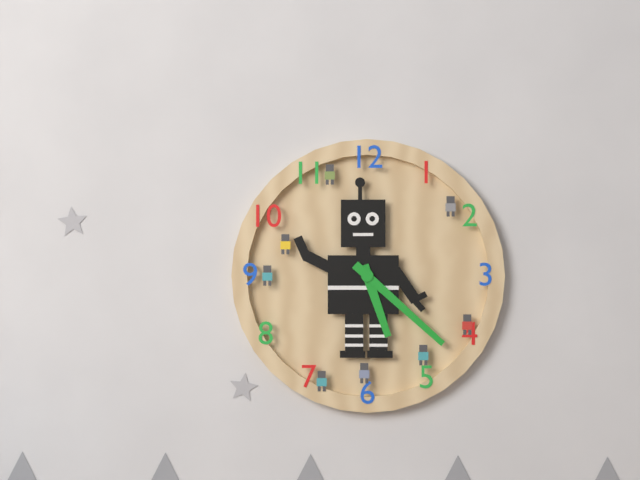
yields 5h22
